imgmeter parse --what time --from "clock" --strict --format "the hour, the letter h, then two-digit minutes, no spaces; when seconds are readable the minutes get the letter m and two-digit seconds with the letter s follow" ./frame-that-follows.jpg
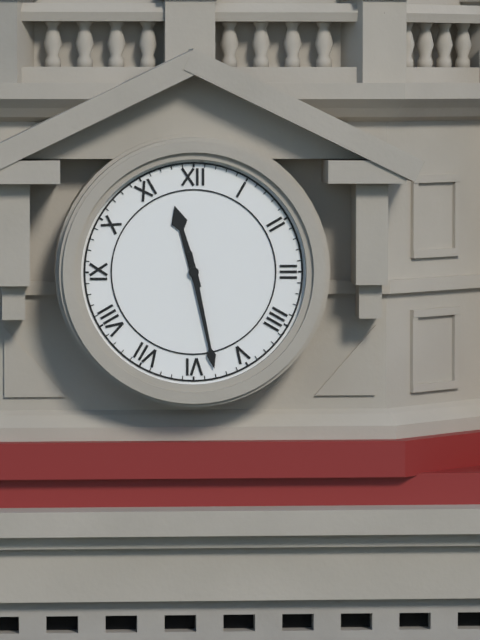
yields 11h28
